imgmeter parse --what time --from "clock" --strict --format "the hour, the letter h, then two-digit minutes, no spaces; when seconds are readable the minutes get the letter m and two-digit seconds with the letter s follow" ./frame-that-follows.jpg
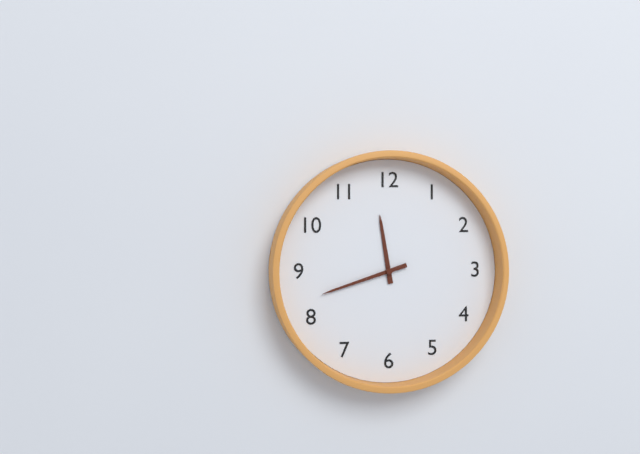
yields 11h42
